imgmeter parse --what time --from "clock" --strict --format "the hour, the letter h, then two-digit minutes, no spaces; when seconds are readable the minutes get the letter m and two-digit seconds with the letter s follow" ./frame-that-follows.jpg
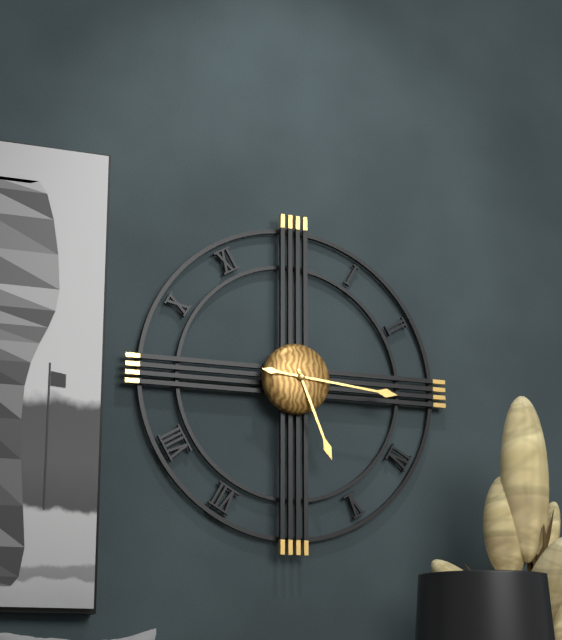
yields 5h16
